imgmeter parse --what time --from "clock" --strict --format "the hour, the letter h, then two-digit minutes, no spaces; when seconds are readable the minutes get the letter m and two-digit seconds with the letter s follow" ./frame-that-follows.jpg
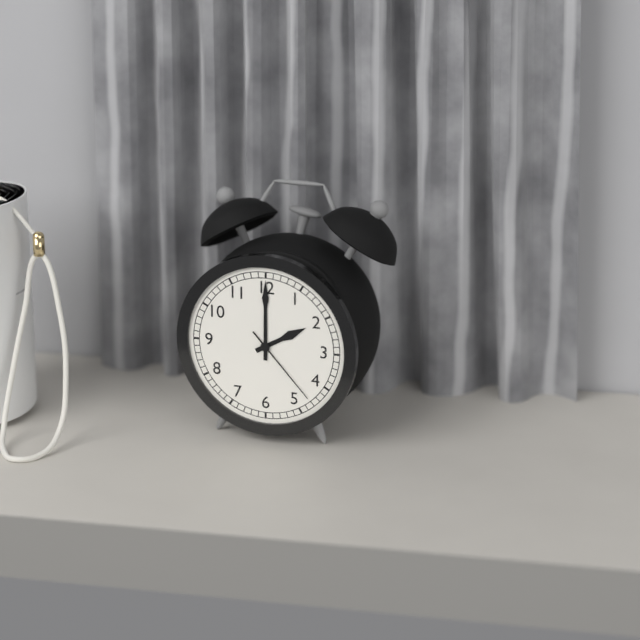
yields 2h00m23s
